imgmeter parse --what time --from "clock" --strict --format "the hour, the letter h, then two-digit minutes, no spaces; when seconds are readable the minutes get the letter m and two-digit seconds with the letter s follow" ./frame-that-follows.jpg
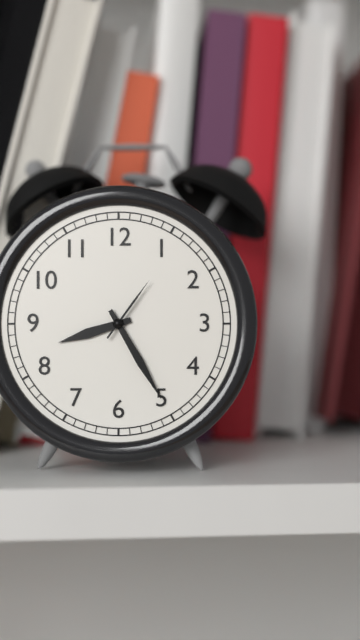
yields 8h25m06s
